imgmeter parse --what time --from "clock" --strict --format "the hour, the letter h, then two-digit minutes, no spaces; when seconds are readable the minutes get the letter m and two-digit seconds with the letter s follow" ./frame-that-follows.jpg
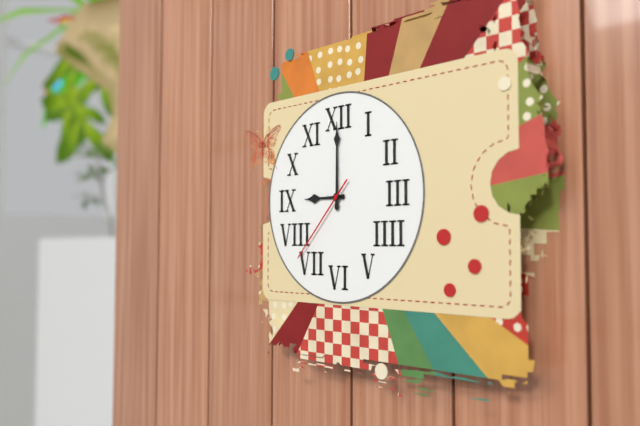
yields 9h00m37s
